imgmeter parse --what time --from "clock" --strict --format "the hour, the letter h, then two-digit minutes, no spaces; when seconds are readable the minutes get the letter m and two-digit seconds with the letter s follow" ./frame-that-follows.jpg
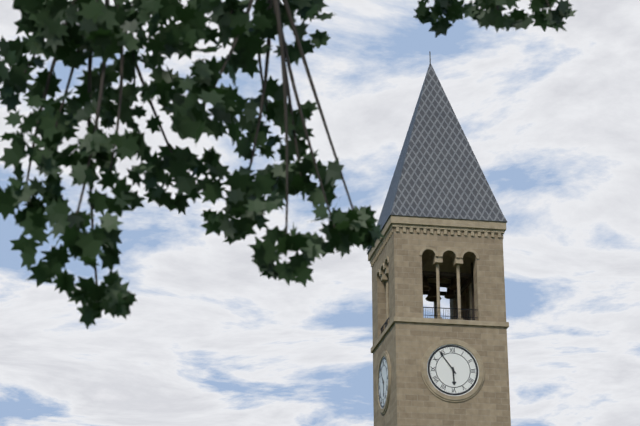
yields 5h54
